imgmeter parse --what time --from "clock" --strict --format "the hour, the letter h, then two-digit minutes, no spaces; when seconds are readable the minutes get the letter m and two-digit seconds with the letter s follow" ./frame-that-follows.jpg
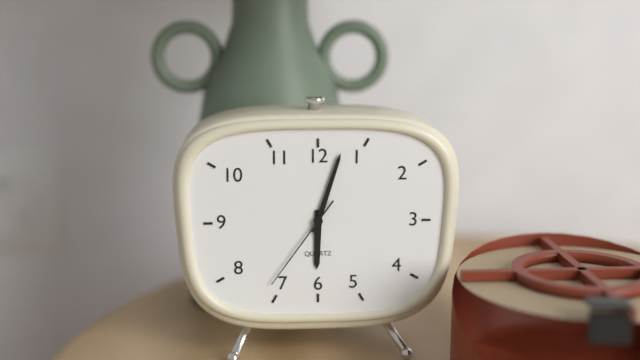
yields 6h03m36s
